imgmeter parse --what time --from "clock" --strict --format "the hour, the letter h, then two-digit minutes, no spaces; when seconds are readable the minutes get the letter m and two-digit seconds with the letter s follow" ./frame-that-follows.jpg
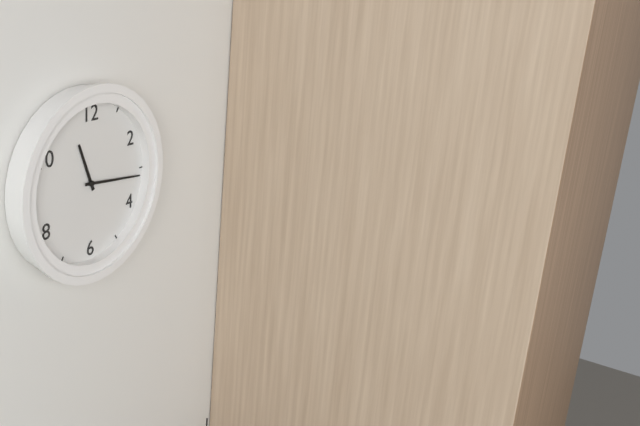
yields 11h16
